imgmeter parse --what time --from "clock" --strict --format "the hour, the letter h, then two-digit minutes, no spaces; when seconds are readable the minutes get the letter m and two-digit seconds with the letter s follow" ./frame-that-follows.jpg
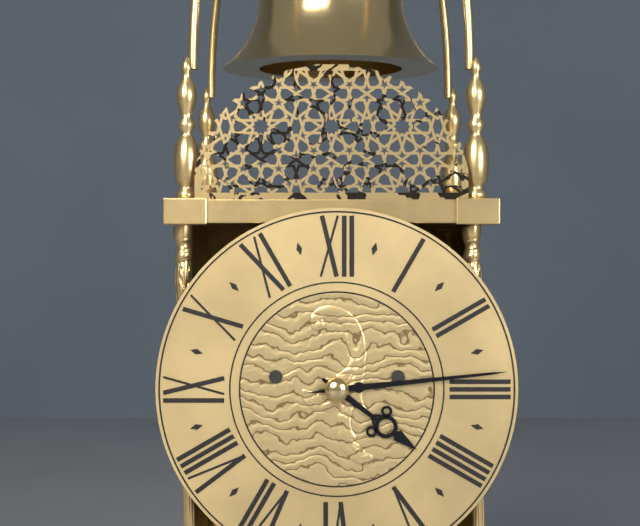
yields 4h14
